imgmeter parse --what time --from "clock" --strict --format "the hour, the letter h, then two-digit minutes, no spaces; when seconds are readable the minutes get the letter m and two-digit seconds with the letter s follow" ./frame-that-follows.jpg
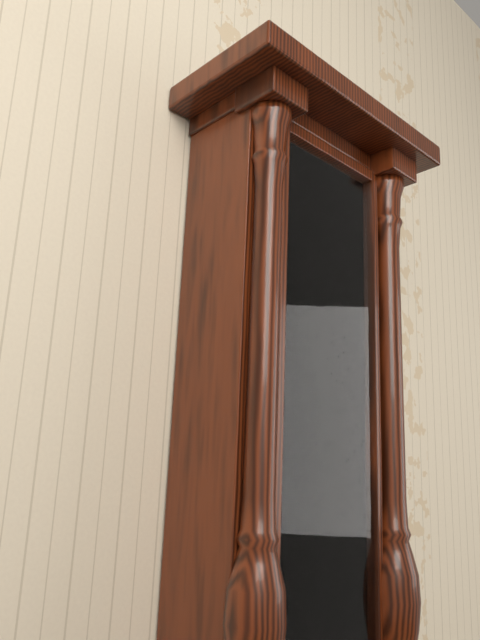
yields 5h15
